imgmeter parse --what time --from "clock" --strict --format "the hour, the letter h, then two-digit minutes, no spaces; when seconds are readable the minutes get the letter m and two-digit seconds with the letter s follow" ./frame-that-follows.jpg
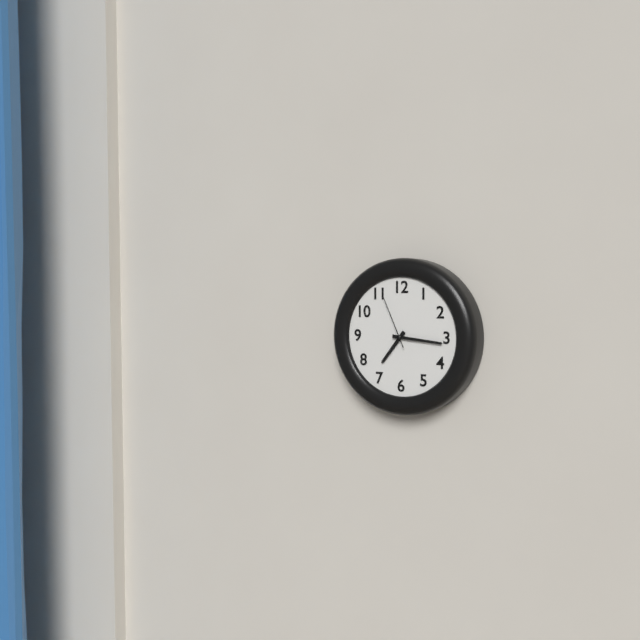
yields 7h16m56s
